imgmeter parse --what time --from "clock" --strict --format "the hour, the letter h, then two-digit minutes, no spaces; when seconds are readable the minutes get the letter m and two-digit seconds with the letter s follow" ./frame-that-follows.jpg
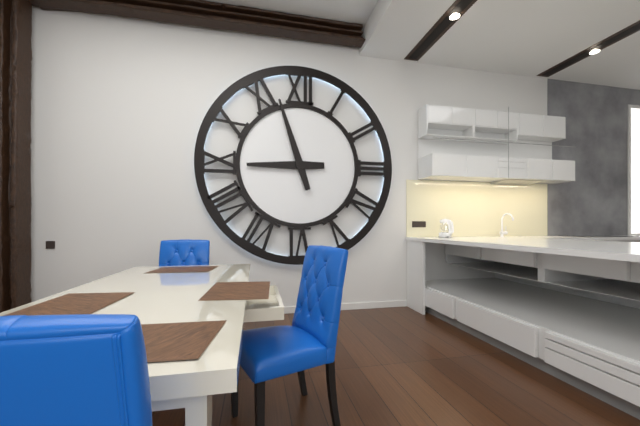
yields 8h57
